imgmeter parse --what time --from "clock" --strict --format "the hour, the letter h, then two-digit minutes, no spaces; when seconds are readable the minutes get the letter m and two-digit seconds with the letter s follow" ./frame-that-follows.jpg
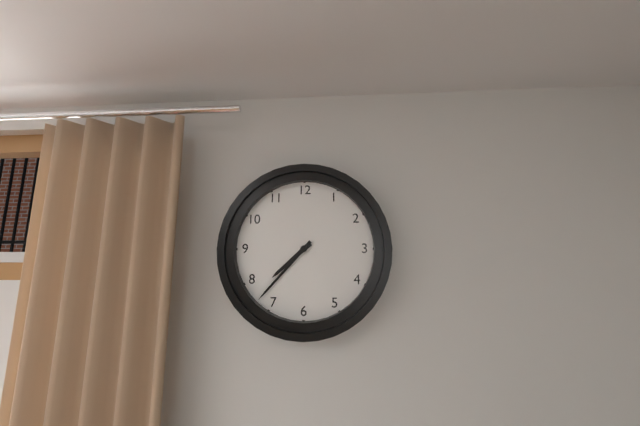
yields 7h37
